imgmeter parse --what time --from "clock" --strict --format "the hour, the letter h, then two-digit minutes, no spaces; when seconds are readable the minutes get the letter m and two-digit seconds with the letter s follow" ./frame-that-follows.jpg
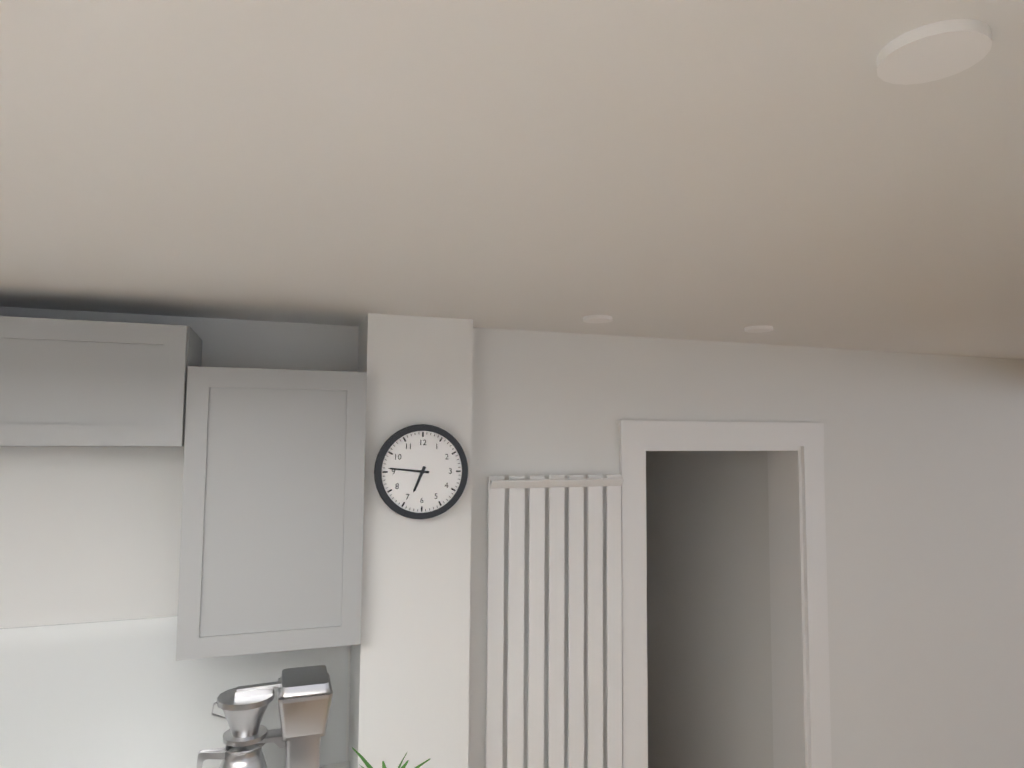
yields 6h46
